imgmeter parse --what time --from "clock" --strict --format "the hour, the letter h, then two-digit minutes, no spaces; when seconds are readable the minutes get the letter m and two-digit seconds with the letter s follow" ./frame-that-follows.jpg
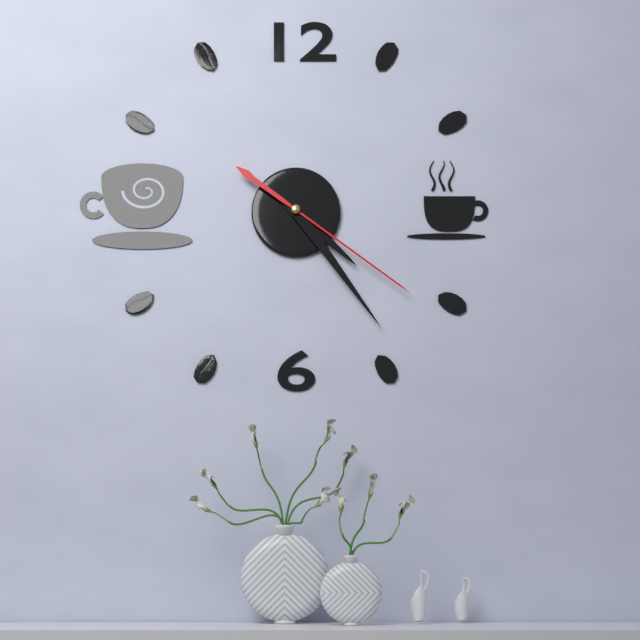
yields 4h24m21s
